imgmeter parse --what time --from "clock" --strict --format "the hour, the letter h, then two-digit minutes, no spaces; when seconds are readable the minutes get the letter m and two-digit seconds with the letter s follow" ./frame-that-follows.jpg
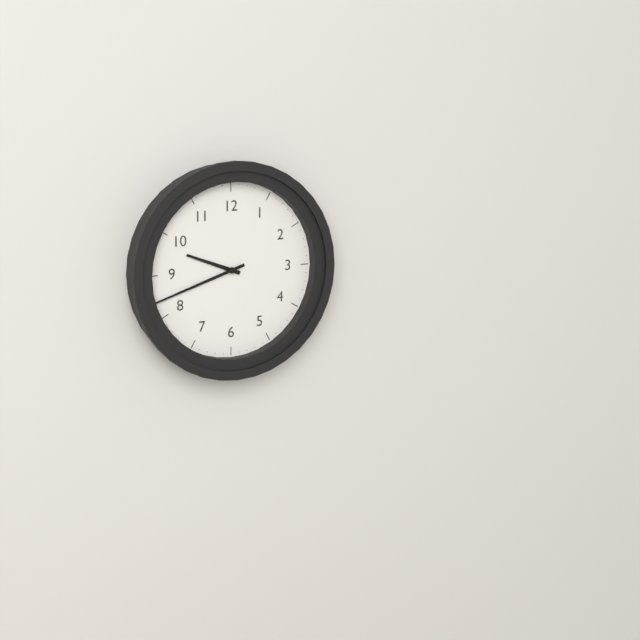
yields 9h42
